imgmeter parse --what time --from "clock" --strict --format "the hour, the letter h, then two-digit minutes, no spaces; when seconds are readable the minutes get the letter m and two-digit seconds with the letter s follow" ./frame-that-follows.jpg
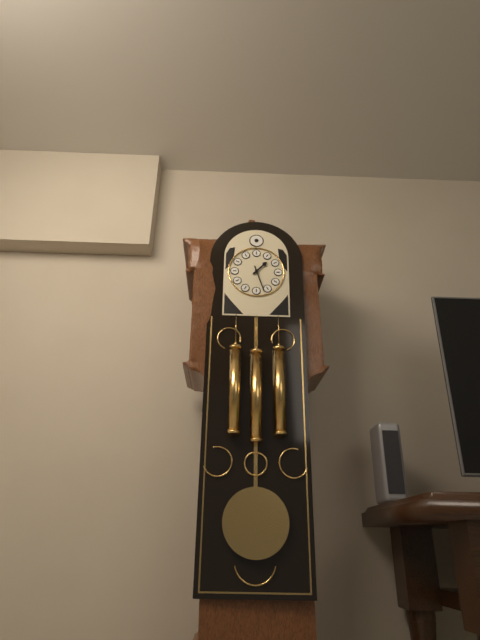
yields 1h27
